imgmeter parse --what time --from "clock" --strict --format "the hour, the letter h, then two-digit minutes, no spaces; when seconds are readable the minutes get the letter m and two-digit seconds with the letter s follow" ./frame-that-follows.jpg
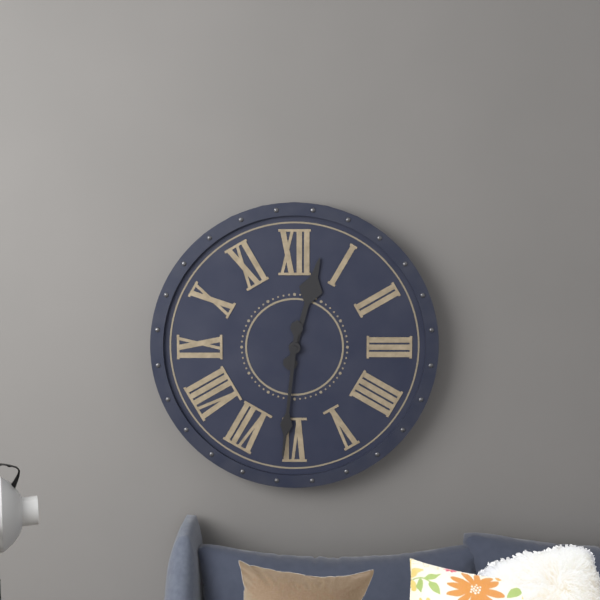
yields 12h31
